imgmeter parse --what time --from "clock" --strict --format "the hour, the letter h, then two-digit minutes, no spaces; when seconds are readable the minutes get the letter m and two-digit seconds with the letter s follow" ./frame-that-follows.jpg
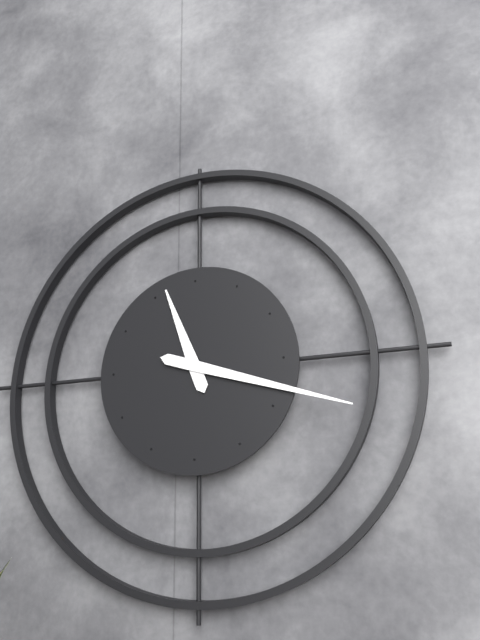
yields 11h18
